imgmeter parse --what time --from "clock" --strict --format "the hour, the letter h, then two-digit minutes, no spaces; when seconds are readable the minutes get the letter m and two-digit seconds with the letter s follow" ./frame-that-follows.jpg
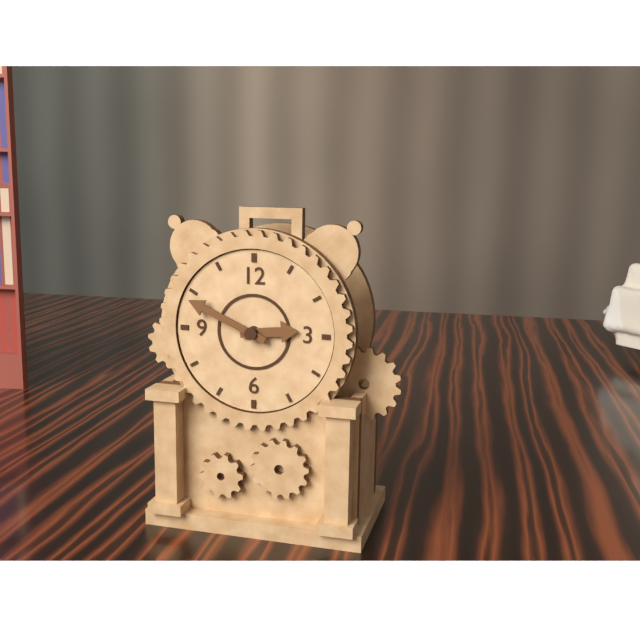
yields 2h49
